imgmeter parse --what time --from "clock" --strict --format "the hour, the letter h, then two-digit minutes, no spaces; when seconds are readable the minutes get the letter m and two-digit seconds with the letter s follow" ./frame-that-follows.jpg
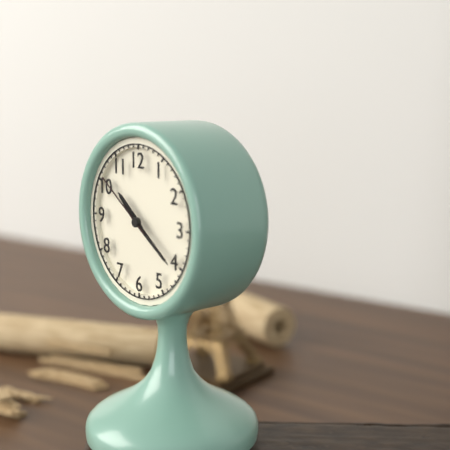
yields 10h21m51s
